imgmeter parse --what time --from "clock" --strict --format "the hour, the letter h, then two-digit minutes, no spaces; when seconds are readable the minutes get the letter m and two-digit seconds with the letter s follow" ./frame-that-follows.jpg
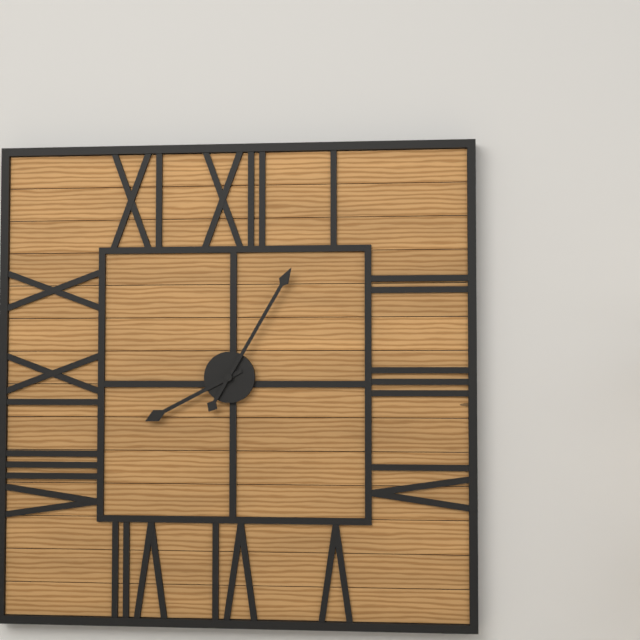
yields 8h05
